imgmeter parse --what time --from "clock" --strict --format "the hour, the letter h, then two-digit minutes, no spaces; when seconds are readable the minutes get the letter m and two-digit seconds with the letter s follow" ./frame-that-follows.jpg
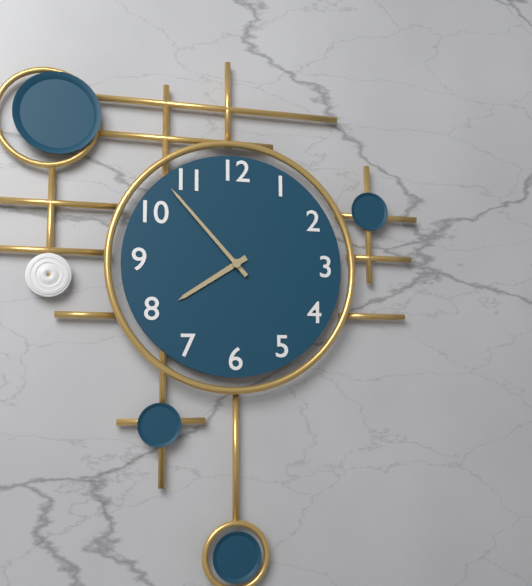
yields 7h53
